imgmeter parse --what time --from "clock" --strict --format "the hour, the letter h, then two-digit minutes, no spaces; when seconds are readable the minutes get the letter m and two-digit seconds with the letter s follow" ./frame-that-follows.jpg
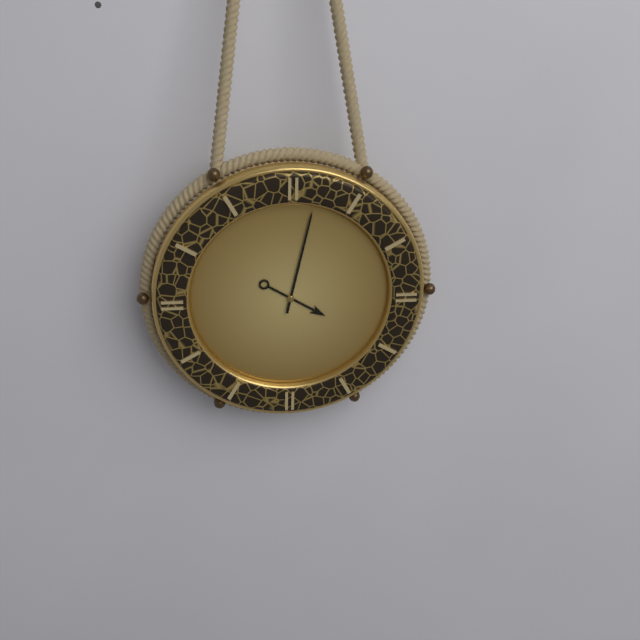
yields 4h02
